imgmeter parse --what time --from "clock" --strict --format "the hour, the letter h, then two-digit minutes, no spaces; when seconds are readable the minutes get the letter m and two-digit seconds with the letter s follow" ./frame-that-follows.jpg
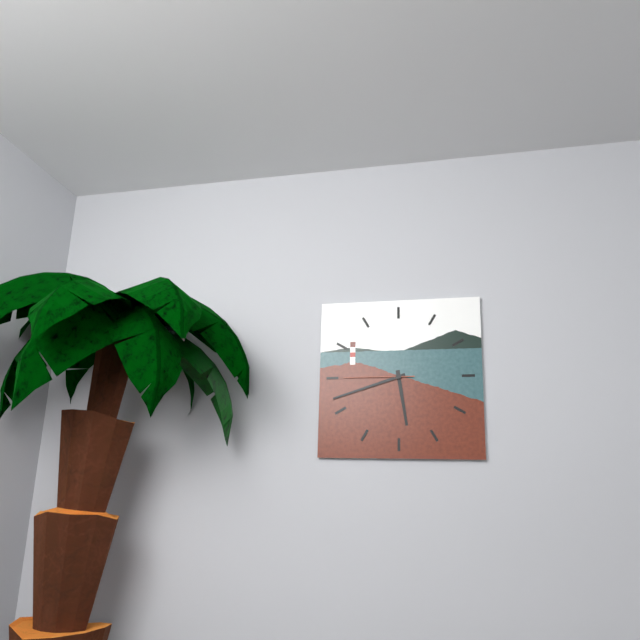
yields 5h42m45s
